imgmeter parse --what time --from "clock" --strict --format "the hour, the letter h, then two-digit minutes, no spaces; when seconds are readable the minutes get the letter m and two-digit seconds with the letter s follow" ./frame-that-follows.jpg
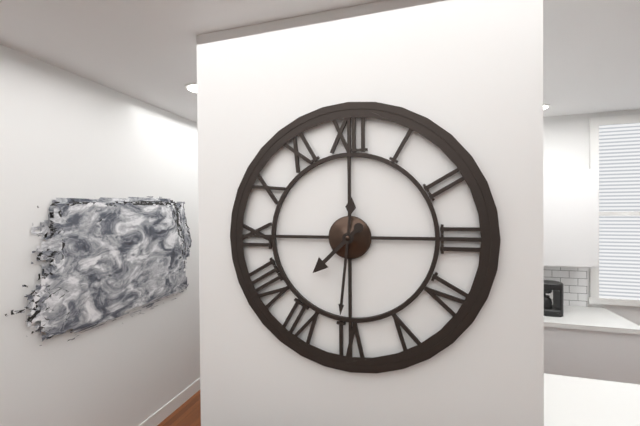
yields 7h31
